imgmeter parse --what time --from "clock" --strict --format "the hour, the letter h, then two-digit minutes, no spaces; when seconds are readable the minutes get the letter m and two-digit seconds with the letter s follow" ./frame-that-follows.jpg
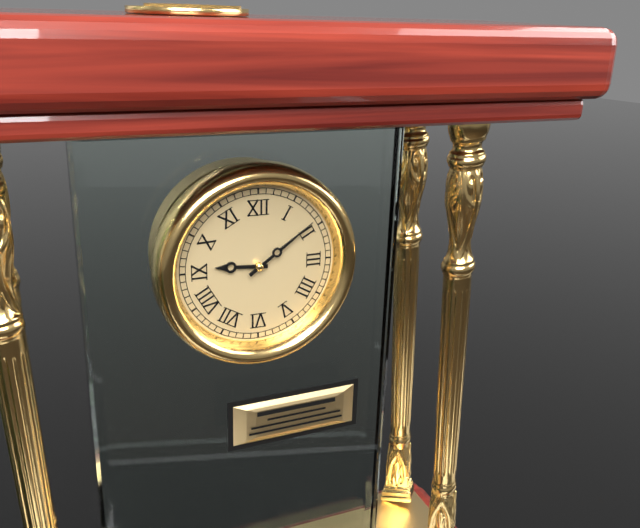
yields 9h09
